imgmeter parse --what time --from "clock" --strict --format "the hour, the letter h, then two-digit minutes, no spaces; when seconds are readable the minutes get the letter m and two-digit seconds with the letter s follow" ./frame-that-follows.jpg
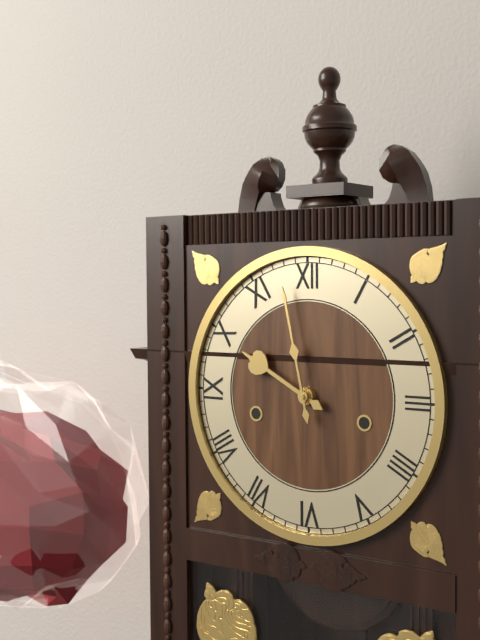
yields 9h58
